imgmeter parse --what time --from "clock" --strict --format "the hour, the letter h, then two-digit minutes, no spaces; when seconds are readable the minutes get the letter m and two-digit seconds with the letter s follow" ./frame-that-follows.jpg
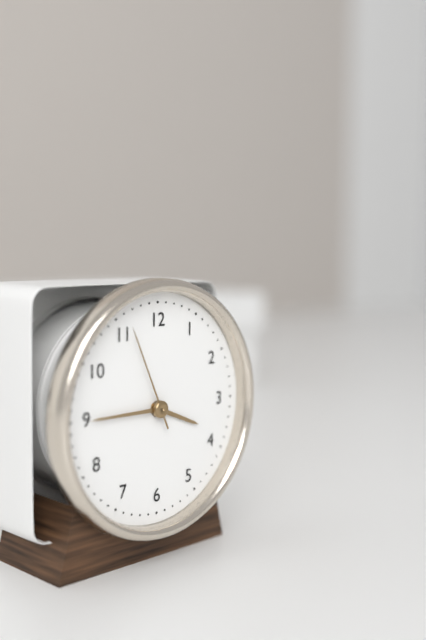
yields 3h45m56s
